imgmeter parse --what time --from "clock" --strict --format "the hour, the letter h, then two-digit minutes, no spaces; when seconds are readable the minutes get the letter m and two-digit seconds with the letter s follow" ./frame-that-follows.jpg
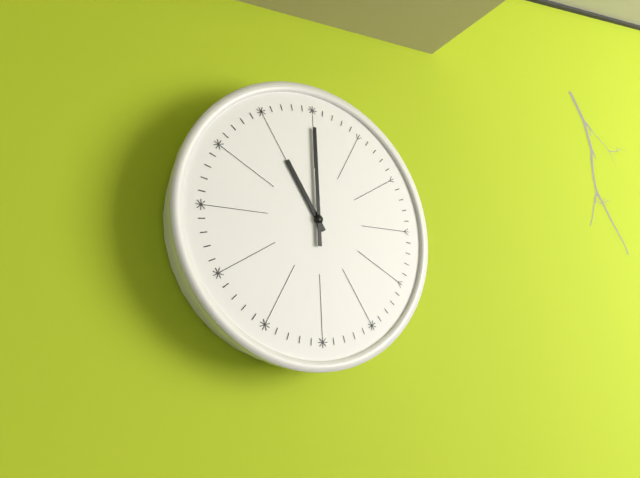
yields 11h00
